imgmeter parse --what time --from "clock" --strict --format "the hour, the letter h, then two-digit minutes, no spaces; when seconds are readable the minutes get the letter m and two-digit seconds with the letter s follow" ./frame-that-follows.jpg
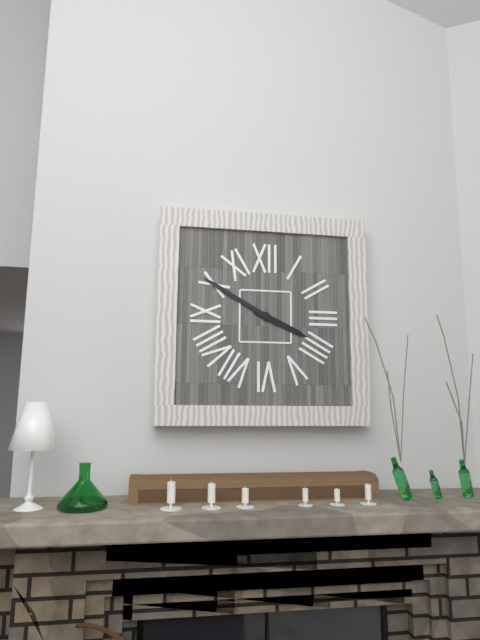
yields 3h50
